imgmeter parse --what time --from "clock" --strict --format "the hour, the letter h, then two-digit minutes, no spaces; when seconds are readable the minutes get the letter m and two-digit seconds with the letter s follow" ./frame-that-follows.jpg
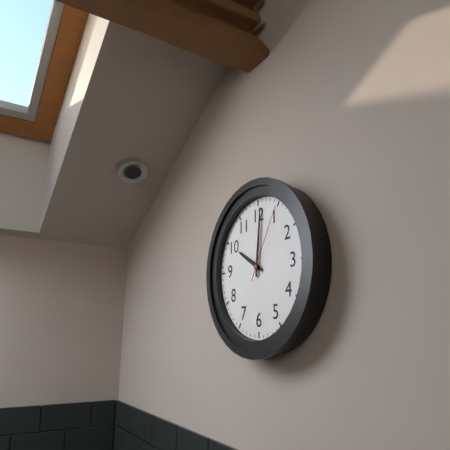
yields 10h01m05s
